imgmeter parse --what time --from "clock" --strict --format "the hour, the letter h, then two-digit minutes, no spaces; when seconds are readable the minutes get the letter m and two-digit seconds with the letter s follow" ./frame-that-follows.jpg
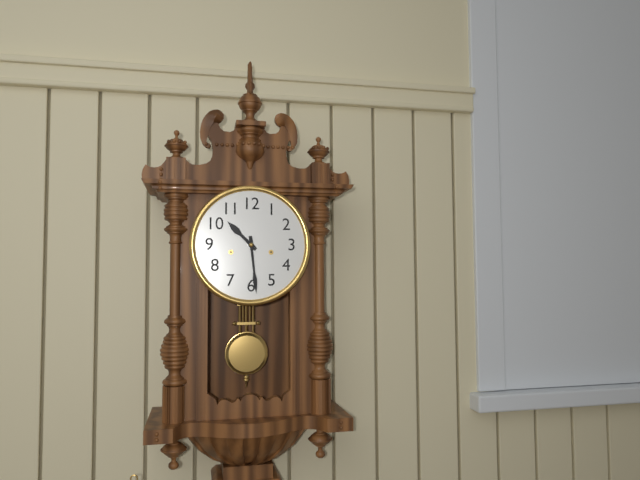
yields 10h29
